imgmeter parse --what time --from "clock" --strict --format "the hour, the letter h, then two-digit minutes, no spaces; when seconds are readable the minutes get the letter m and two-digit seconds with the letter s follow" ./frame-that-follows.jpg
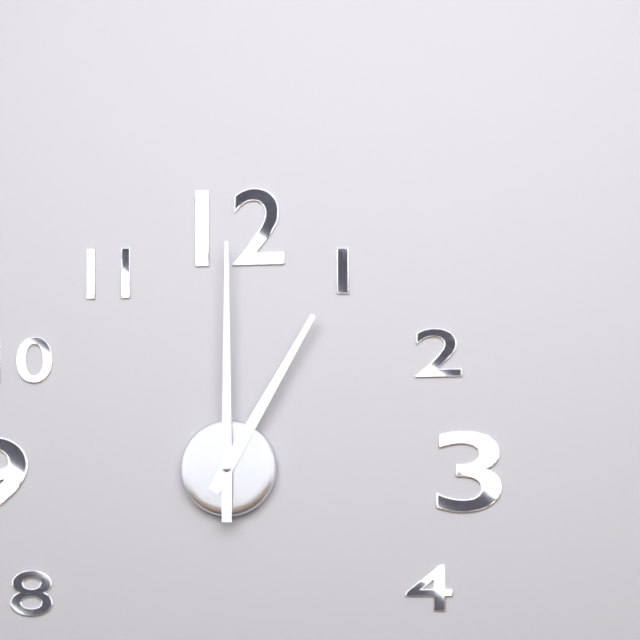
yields 1h00
